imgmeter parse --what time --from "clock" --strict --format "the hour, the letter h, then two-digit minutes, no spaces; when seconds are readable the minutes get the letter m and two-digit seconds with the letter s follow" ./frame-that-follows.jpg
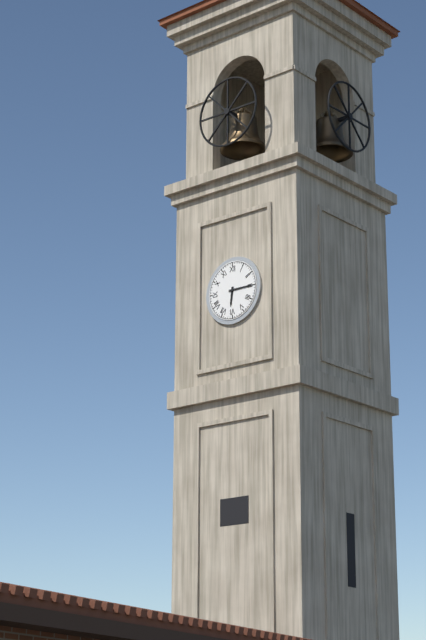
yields 6h15
